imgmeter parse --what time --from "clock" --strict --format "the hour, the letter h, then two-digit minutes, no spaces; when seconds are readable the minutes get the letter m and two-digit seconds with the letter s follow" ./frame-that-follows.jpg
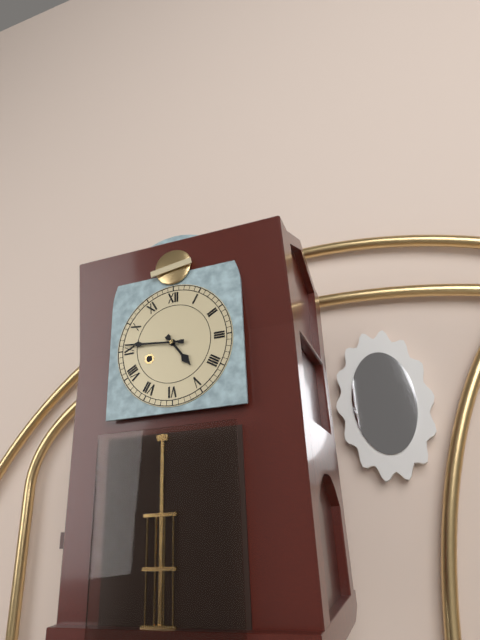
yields 4h46
